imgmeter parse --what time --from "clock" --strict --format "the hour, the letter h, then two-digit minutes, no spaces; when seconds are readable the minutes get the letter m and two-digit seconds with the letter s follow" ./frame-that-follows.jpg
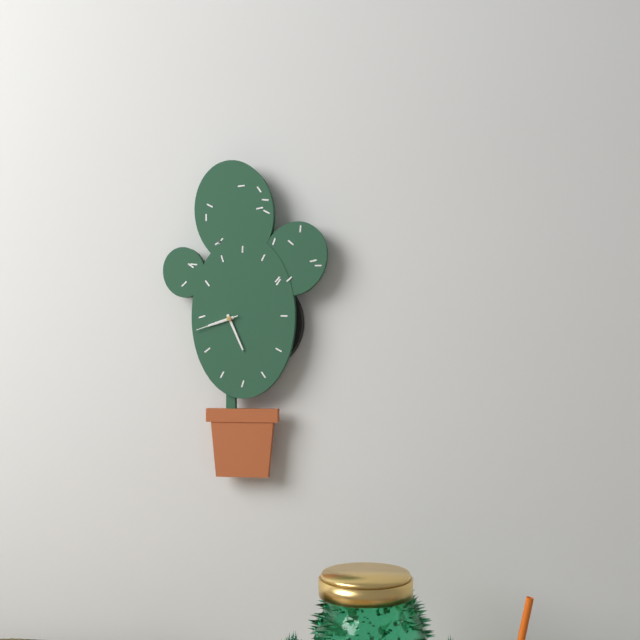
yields 8h26
